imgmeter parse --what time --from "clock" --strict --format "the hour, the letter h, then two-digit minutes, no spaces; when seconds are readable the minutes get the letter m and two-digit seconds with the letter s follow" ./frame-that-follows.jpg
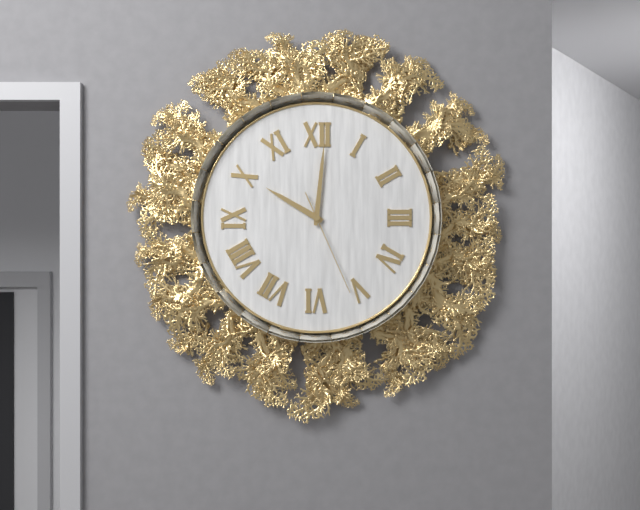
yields 10h01m26s
